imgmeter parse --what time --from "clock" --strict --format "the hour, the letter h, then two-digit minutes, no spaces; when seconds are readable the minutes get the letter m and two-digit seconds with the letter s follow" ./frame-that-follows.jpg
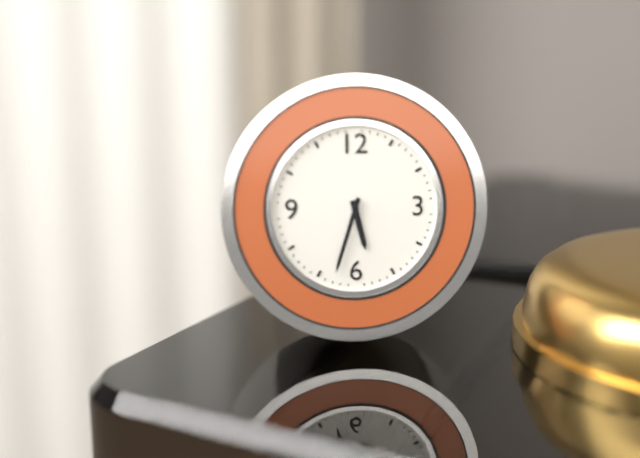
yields 5h33
